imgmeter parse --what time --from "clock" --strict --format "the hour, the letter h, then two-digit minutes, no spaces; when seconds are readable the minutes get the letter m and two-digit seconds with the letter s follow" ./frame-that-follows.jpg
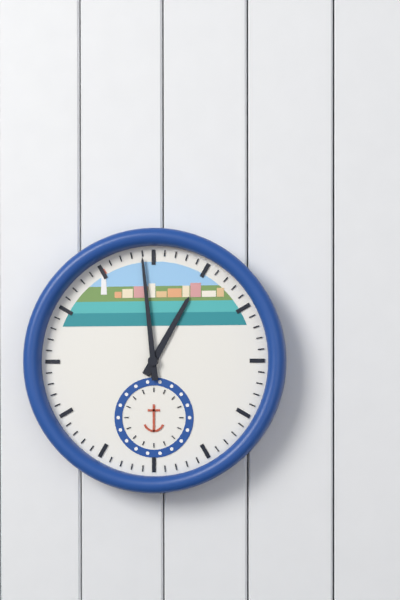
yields 12h59
